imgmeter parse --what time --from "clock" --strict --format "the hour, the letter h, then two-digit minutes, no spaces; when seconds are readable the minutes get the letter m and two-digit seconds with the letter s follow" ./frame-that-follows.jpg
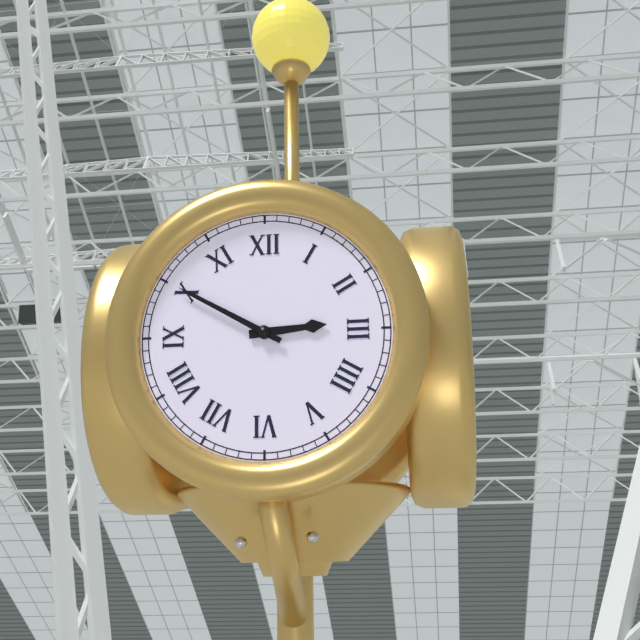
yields 2h50
